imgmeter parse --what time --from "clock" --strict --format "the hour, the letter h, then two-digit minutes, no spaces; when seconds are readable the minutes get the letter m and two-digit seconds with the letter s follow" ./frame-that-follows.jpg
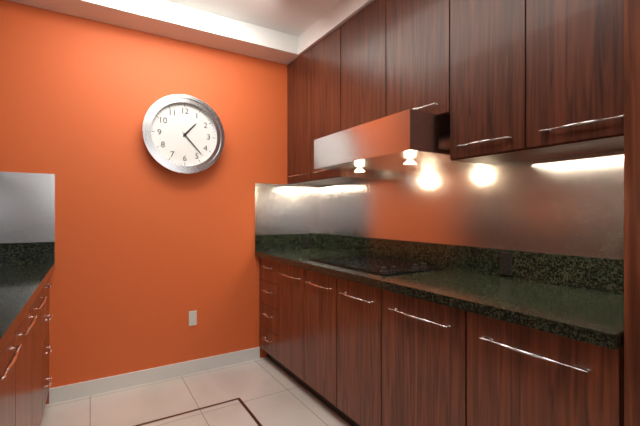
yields 1h23
